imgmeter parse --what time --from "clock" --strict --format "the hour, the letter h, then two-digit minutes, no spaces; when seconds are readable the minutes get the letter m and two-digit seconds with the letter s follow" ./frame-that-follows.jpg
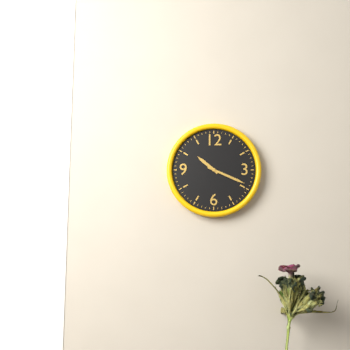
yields 10h19
